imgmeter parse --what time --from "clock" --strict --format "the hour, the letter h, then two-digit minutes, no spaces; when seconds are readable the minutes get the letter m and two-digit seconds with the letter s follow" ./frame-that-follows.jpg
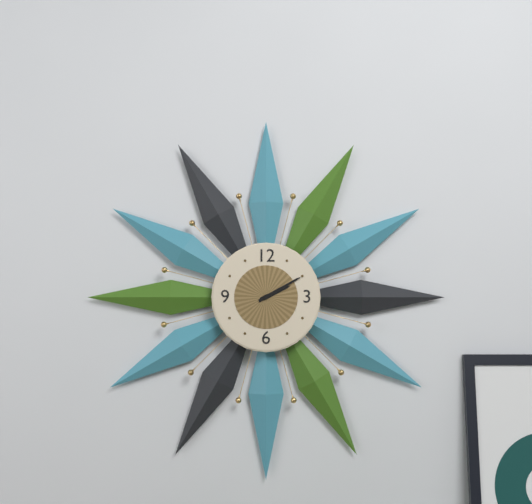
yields 2h10
